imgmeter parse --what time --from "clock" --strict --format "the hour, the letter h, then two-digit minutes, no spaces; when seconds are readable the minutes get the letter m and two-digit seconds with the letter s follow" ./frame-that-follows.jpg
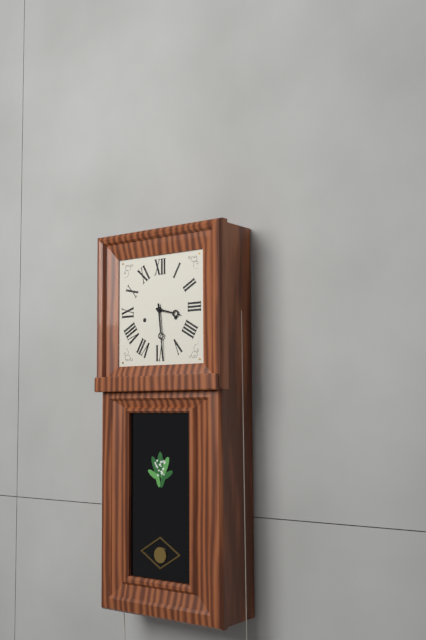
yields 3h29
